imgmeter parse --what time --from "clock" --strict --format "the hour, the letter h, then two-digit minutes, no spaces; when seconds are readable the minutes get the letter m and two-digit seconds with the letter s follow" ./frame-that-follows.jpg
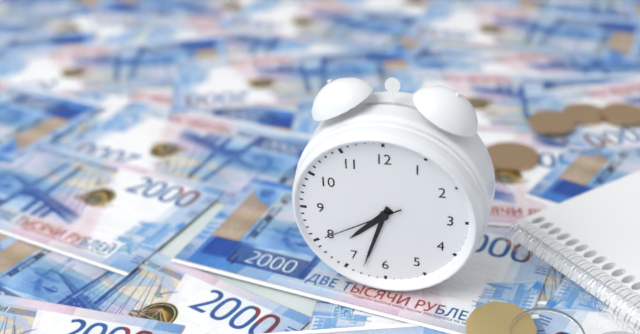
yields 7h33m40s
